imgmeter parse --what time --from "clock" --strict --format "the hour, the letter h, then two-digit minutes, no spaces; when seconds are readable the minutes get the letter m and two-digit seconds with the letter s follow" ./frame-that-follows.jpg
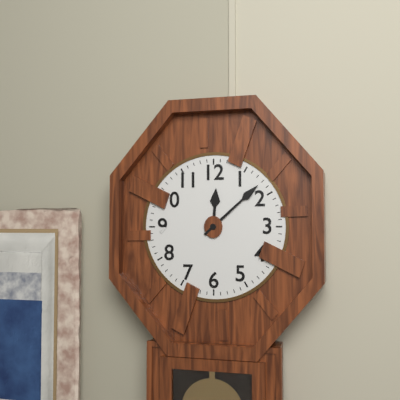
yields 12h08
